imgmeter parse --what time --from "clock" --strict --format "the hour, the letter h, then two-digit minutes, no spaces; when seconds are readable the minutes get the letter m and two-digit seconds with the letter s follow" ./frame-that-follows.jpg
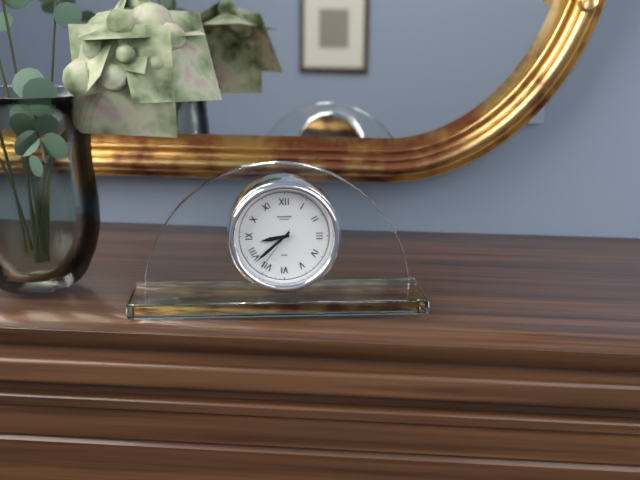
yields 8h38
